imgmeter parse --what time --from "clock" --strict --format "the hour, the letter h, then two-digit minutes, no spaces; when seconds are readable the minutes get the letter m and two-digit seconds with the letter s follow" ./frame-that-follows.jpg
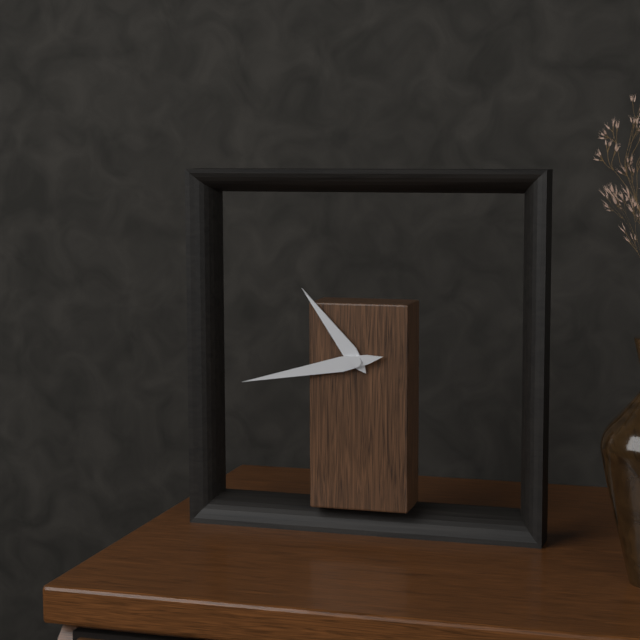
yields 10h43
